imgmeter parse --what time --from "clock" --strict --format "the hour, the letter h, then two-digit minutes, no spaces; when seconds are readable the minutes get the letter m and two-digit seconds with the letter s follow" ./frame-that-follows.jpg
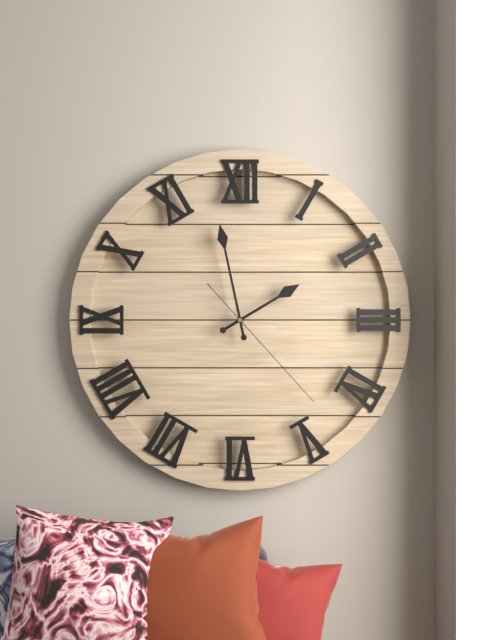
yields 1h58m23s
